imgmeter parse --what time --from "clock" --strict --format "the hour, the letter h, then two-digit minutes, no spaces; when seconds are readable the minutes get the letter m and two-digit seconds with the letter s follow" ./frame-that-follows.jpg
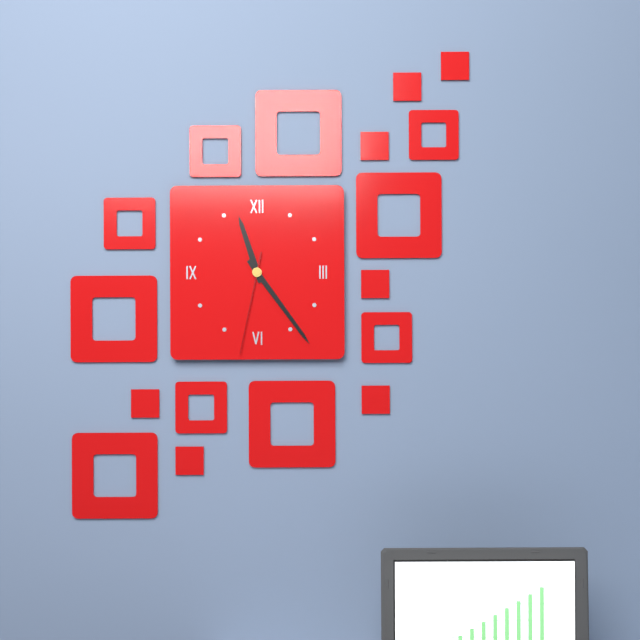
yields 11h24m32s
